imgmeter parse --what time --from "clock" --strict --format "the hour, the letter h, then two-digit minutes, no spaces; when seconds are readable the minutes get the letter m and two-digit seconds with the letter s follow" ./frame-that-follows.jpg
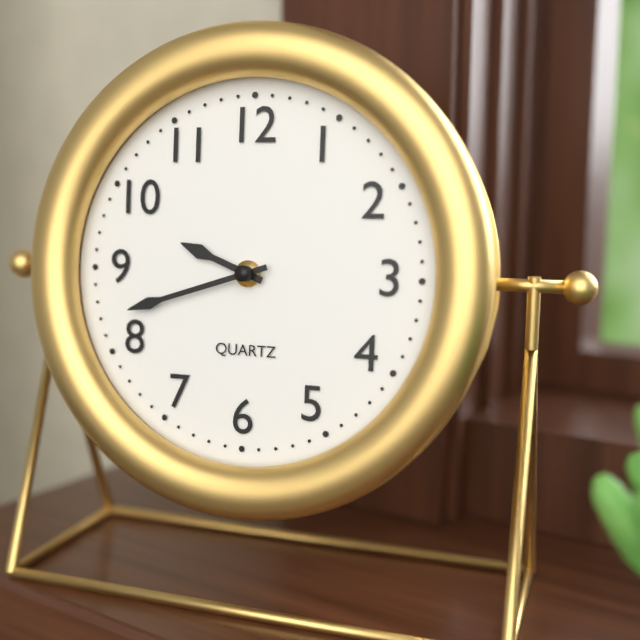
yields 9h42
